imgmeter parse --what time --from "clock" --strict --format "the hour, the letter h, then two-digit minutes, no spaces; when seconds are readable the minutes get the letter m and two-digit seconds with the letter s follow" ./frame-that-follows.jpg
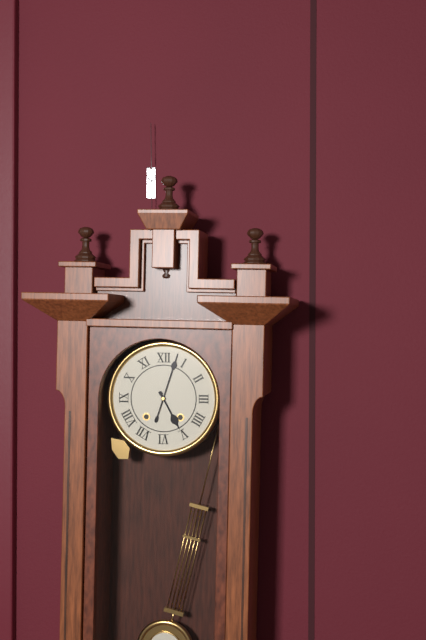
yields 5h03
